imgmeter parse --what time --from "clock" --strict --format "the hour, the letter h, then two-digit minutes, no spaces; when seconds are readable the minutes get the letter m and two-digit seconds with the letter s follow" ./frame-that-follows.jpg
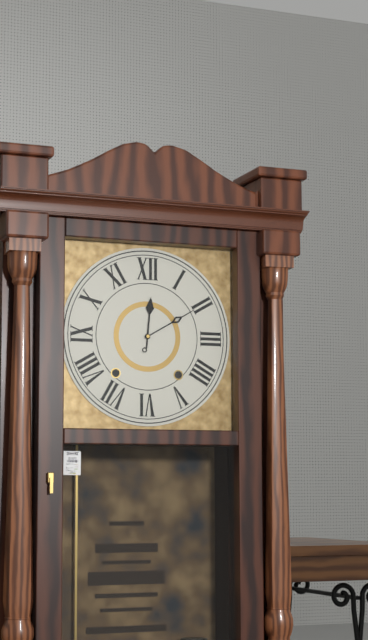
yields 12h10
